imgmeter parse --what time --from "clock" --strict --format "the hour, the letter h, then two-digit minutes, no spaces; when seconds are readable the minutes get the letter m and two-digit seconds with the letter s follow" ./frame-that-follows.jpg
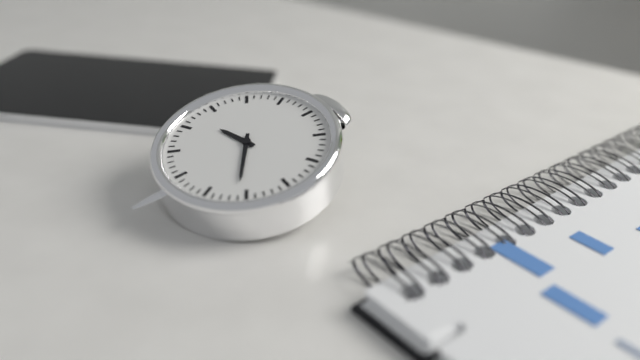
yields 9h26
